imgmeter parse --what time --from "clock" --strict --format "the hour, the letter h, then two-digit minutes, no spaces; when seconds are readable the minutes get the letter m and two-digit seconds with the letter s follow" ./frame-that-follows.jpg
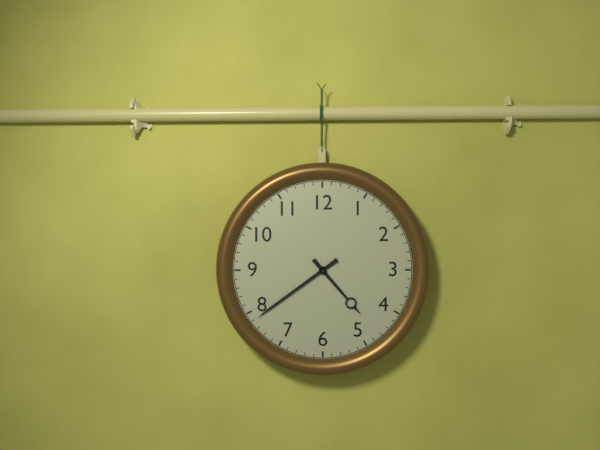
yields 4h39
